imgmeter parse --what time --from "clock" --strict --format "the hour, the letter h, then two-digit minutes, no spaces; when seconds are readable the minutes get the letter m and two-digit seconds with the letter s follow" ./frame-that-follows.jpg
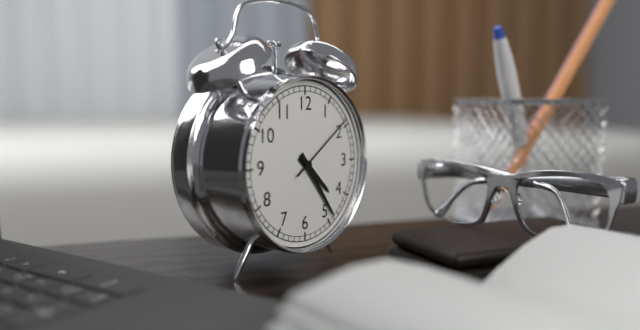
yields 4h24m09s
